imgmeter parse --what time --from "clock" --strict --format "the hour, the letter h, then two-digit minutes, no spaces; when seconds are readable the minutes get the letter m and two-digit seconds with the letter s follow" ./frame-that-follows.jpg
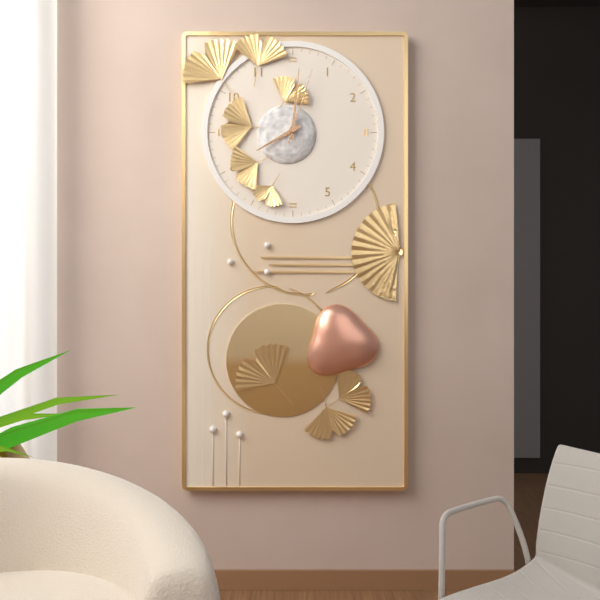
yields 8h01m03s
